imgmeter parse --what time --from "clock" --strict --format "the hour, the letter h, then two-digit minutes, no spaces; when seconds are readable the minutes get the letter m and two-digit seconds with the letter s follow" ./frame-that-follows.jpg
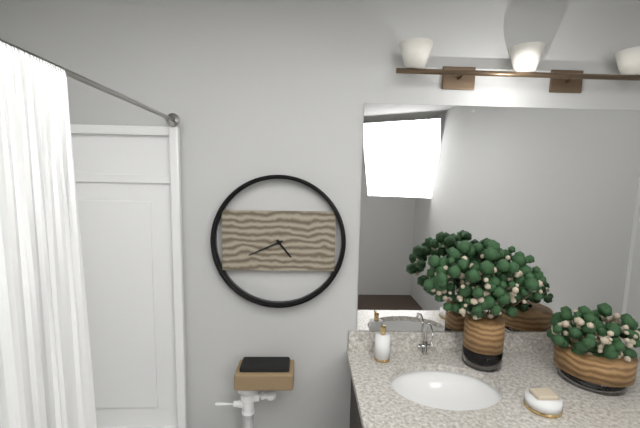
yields 4h41
